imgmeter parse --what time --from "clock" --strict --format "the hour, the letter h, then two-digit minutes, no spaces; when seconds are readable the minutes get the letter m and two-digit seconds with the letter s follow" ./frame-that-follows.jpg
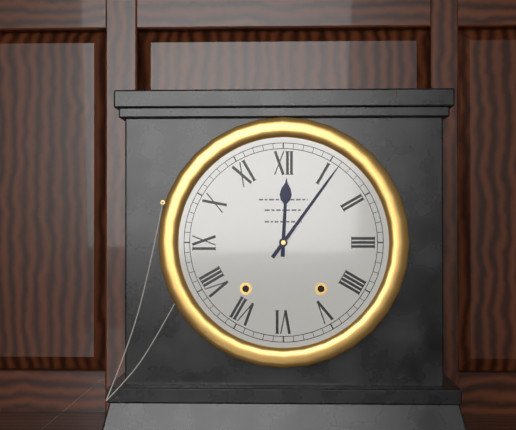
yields 12h06
